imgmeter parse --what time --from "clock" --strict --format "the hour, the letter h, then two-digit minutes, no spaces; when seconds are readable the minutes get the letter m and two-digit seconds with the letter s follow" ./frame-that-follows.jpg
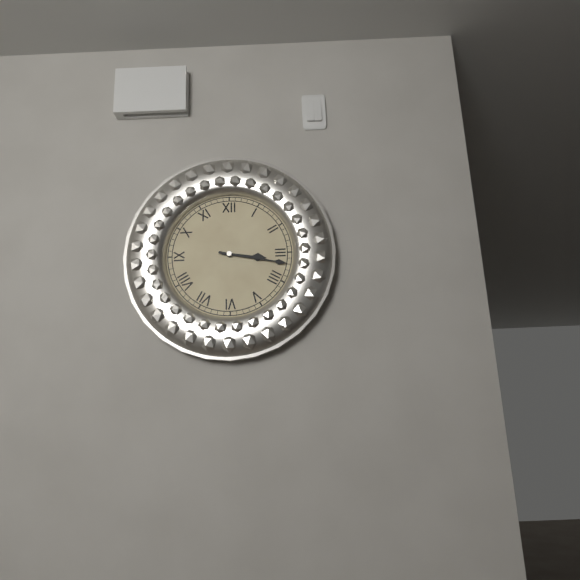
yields 3h17
